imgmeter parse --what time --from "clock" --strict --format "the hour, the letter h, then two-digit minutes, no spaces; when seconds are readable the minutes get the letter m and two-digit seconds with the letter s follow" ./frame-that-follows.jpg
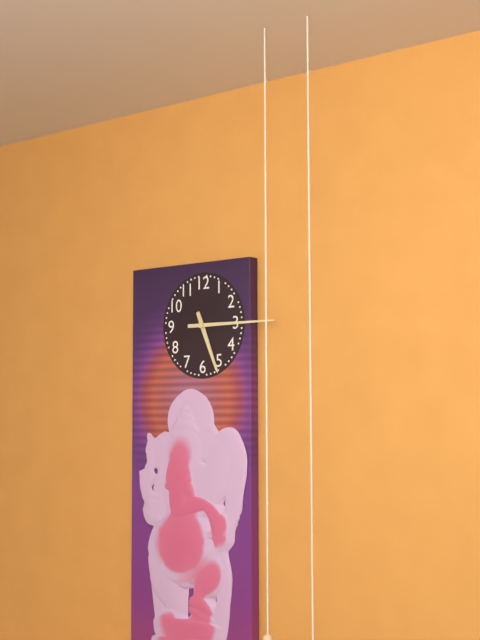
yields 5h15
